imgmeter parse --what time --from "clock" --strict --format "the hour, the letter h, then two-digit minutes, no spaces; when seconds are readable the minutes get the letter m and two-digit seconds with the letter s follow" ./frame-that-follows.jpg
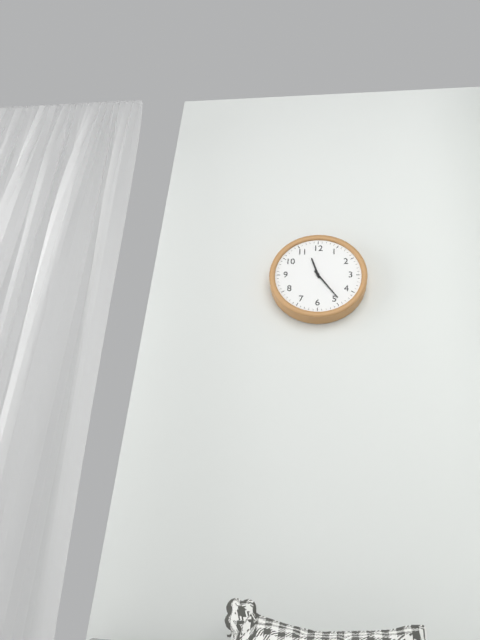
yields 11h24
